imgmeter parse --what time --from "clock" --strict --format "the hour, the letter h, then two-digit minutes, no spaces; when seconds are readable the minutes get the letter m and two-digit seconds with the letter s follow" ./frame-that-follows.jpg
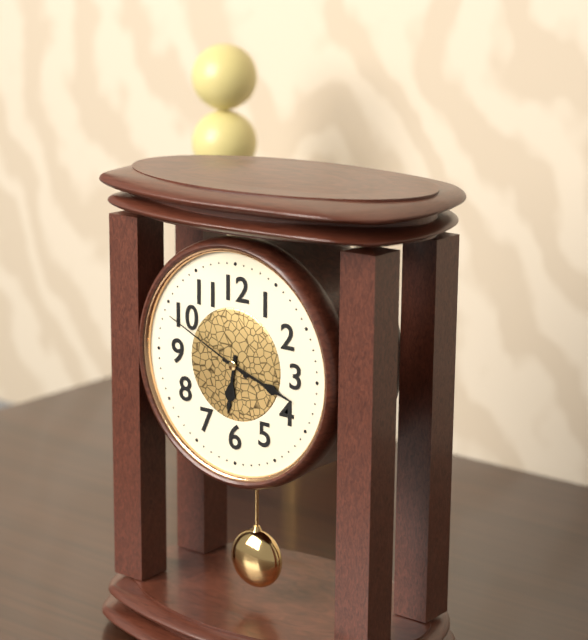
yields 6h18m49s
